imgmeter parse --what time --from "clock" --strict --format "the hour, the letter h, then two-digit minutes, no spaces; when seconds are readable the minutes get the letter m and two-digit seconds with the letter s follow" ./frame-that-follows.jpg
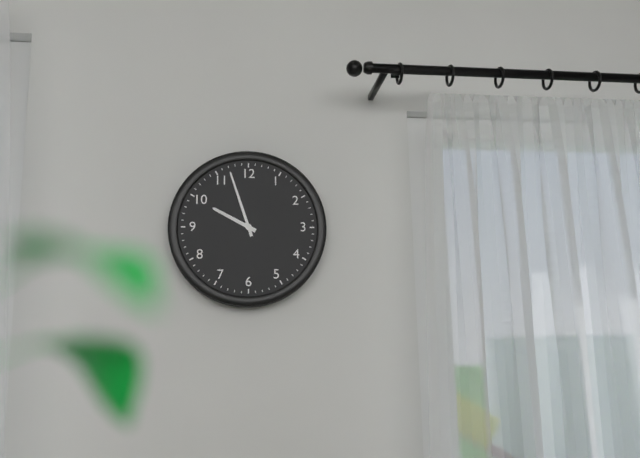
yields 9h57
